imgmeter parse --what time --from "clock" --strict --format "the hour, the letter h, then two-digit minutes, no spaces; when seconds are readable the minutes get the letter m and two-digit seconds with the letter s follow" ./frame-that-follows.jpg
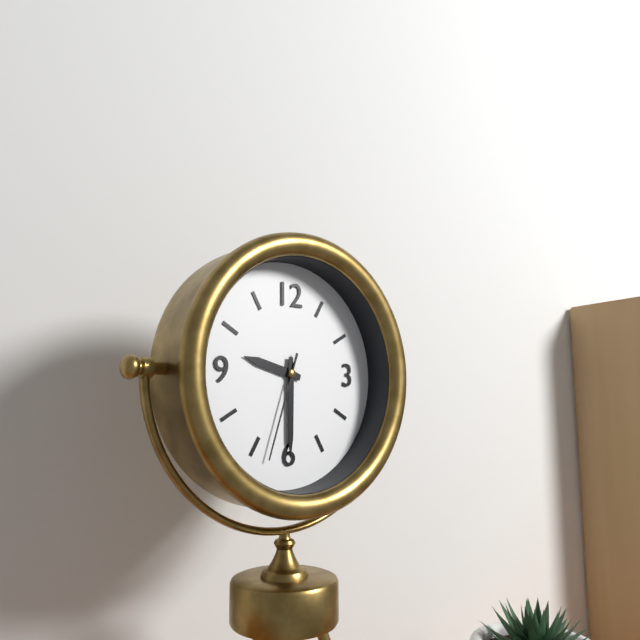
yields 9h30m33s
